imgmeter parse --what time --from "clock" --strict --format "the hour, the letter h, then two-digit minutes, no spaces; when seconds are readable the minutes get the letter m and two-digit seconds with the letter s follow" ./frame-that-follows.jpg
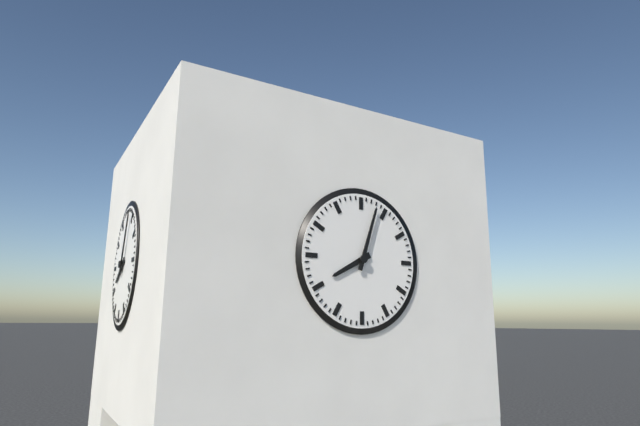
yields 8h03
